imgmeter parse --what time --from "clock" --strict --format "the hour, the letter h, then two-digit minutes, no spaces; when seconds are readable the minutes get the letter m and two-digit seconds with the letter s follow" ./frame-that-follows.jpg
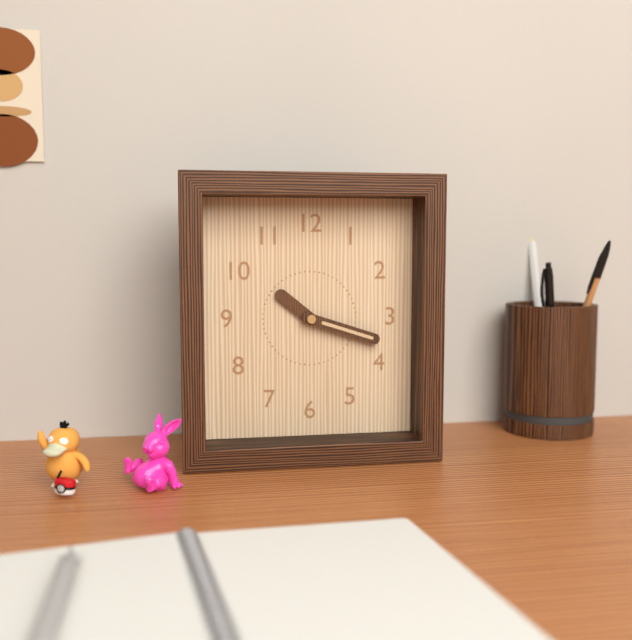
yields 10h18
